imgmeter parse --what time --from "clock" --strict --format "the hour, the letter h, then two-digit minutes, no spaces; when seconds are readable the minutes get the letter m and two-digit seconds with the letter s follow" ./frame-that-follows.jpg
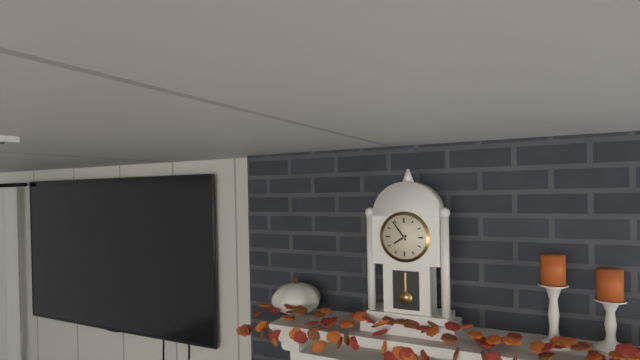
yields 7h54
